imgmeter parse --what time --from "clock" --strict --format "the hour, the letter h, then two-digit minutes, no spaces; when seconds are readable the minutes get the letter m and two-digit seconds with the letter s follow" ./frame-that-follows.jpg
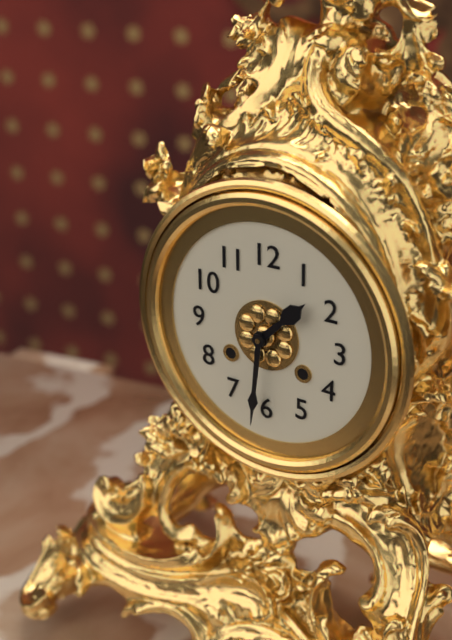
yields 1h31
